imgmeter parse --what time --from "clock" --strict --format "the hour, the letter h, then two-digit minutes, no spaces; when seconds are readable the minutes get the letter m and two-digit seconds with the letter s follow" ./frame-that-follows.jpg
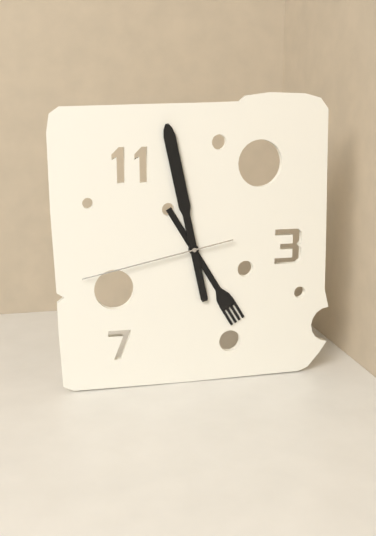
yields 4h58m43s
